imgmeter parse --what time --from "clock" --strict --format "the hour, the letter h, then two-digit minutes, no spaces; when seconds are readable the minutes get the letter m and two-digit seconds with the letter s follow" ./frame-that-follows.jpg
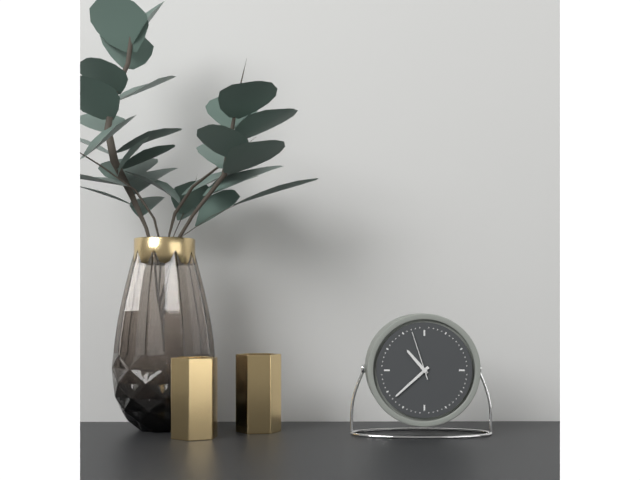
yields 10h38m57s
